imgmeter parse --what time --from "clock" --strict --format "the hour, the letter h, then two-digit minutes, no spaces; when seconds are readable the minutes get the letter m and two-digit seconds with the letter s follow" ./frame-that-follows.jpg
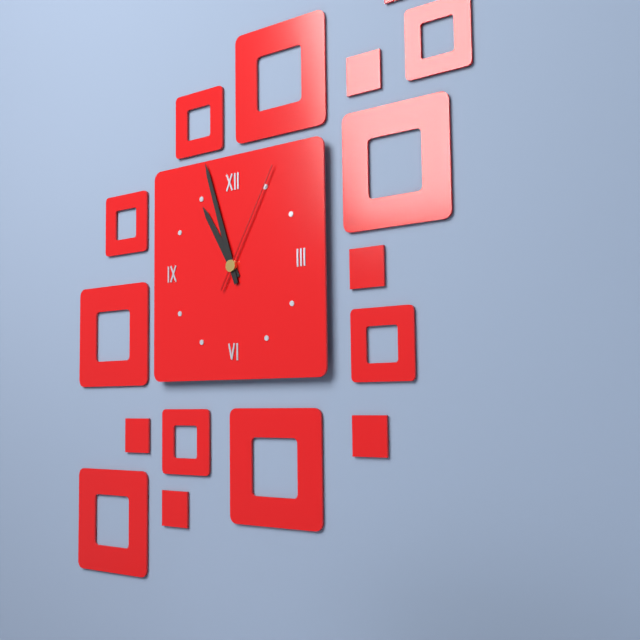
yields 10h57m05s
